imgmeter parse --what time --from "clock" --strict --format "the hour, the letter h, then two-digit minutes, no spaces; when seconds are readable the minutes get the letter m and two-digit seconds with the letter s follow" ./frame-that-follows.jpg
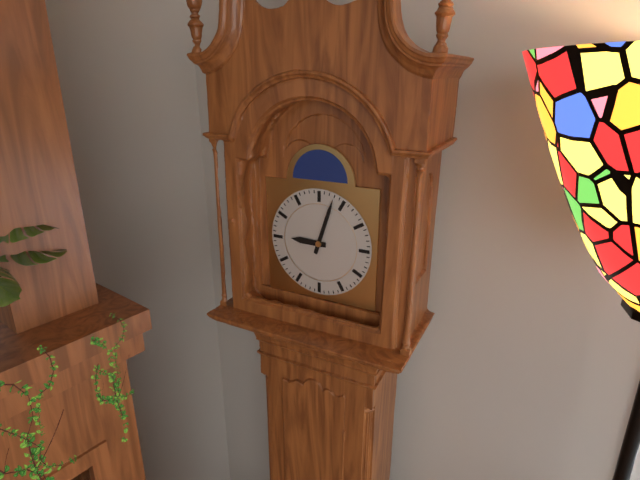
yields 9h03
